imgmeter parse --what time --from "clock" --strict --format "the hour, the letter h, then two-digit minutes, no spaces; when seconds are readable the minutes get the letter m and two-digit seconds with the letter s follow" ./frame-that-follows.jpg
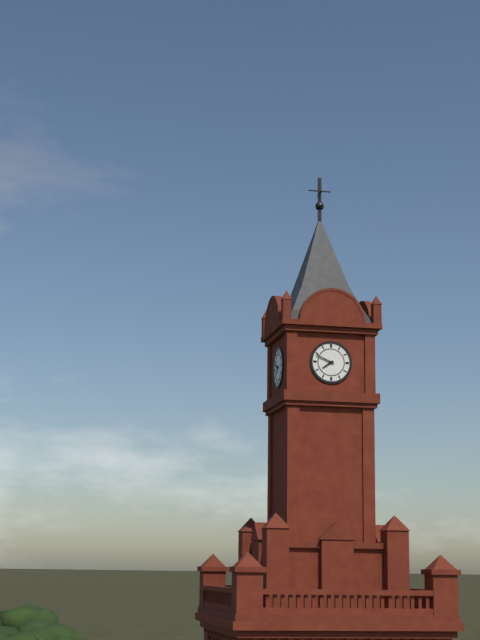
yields 7h49
